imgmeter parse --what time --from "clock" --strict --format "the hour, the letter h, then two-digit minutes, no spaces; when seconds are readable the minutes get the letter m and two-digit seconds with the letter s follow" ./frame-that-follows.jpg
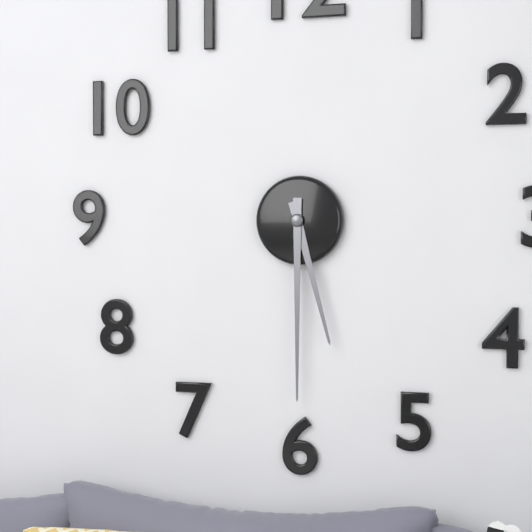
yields 5h30
